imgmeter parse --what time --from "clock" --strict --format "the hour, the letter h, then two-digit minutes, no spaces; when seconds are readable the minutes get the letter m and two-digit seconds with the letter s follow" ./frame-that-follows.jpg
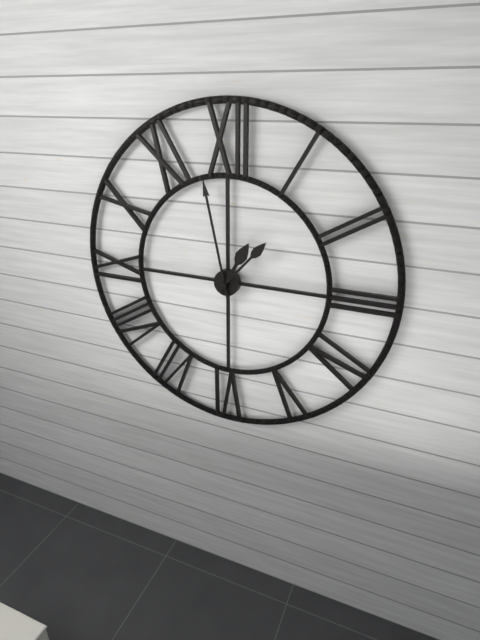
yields 12h58m07s
